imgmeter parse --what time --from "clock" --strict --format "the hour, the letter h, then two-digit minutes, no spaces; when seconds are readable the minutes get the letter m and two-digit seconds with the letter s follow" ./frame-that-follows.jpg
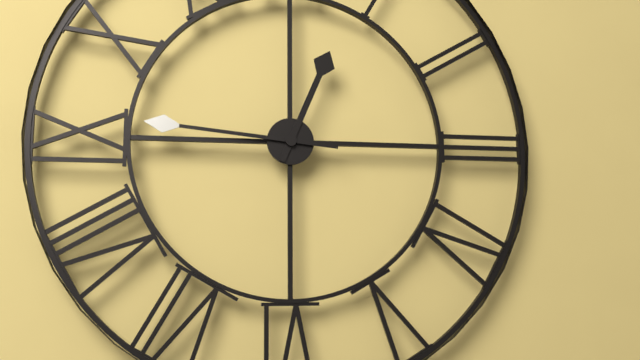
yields 12h46
